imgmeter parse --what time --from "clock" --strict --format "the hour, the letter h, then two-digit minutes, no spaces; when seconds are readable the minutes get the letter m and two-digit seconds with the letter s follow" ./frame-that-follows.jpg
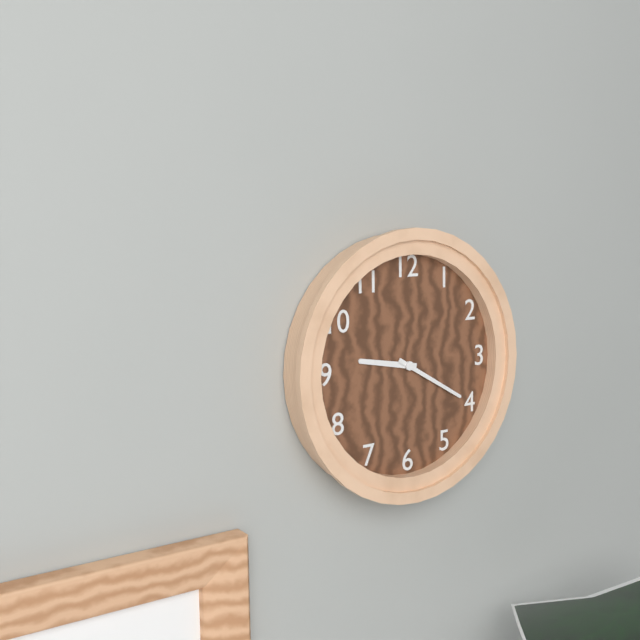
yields 9h20
